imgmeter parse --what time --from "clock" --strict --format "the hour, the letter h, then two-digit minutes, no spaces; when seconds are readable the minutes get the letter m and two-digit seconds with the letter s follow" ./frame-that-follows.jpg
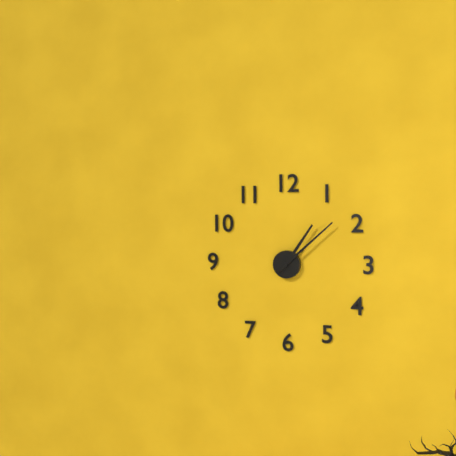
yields 1h08
